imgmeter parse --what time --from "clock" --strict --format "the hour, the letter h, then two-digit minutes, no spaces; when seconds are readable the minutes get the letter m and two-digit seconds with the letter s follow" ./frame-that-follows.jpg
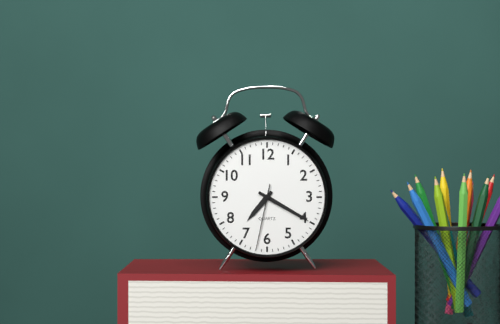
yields 7h20m32s
